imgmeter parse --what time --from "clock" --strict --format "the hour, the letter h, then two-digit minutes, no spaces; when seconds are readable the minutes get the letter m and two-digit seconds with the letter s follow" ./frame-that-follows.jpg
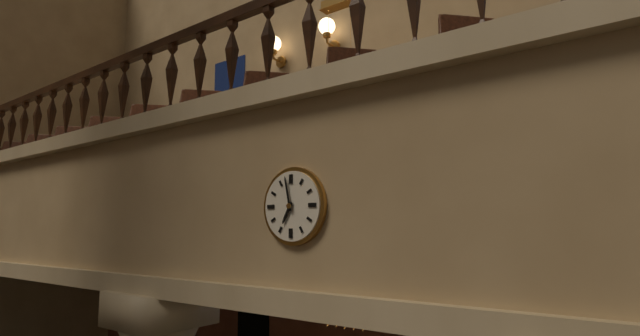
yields 6h58
